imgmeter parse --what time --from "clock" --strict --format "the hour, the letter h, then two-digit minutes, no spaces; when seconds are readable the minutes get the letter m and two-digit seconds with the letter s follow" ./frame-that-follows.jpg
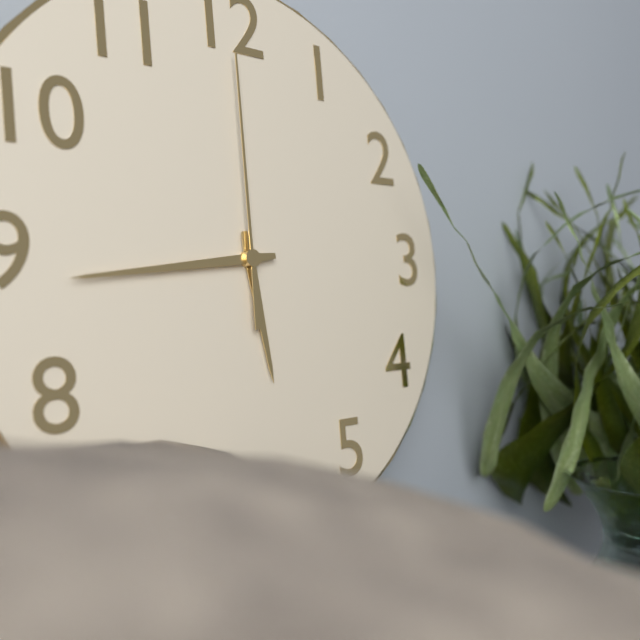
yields 5h44m00s
